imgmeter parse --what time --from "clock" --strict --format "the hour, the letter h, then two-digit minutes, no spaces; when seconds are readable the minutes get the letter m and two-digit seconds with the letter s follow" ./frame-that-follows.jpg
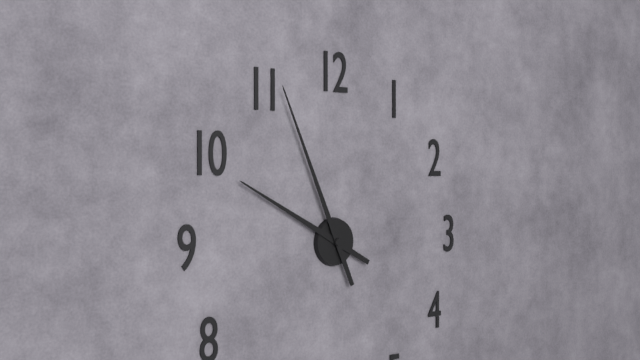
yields 9h56
